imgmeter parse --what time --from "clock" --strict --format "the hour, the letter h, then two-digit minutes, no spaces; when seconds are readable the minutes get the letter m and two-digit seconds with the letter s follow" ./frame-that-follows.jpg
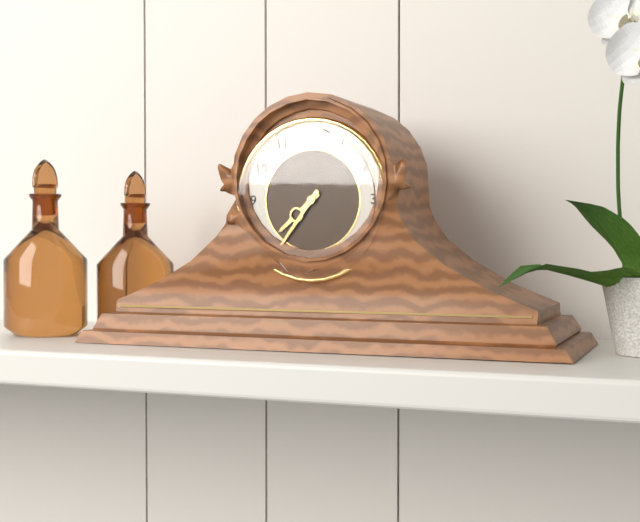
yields 7h36
